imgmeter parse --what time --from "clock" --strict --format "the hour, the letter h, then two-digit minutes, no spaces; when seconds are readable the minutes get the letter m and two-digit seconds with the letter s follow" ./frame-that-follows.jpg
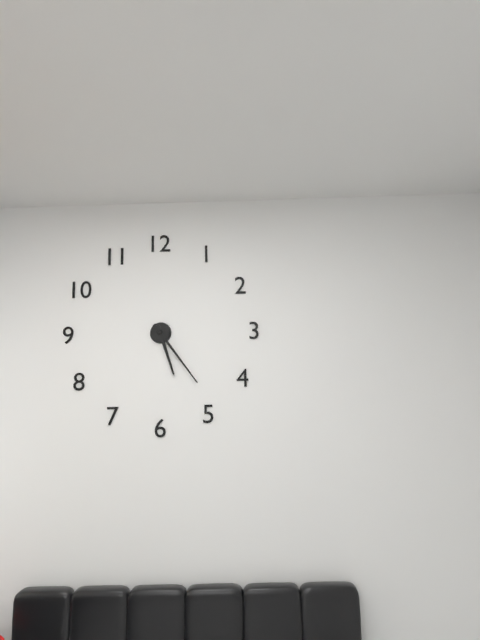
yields 5h24
